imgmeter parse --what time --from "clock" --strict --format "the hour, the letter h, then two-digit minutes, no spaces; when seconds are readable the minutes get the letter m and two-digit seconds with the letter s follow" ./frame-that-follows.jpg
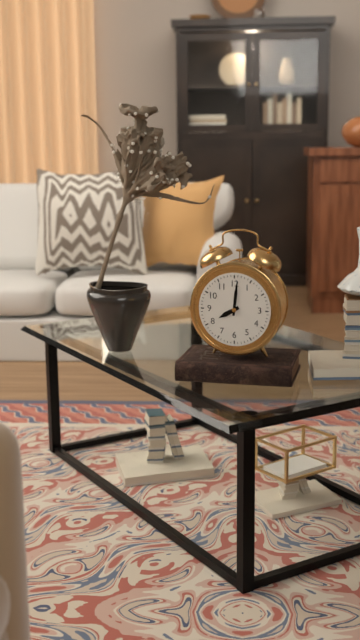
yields 8h01
